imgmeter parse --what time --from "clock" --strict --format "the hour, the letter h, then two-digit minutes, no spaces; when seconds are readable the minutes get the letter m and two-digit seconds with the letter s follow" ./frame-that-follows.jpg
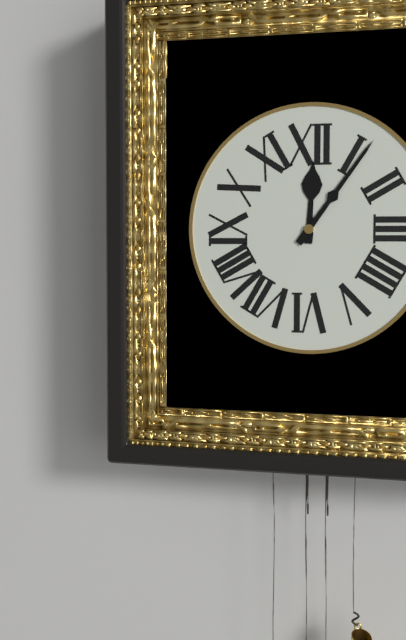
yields 12h06
